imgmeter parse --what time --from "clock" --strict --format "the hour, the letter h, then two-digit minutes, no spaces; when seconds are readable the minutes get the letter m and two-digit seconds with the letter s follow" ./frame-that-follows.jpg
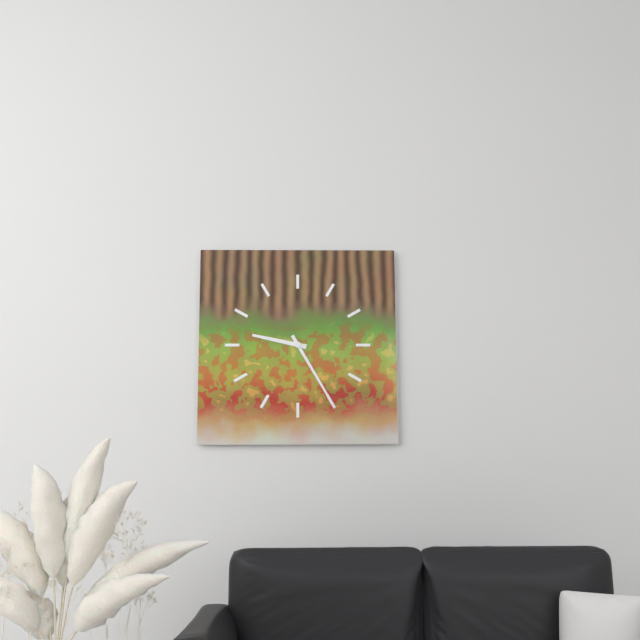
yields 9h25
